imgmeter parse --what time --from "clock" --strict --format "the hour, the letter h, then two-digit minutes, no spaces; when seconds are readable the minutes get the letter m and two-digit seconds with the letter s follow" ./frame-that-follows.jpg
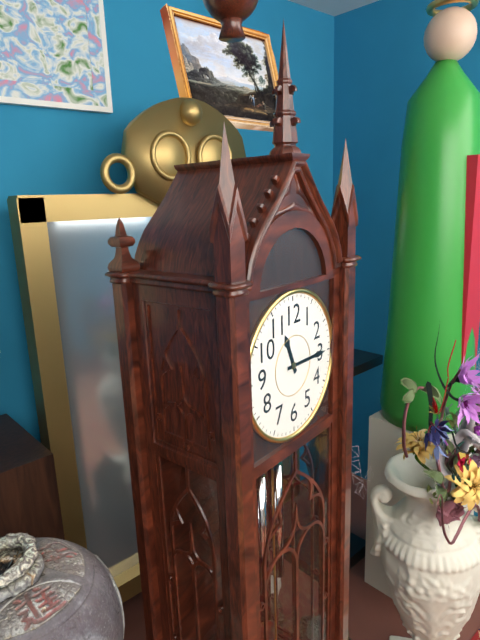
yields 11h15
